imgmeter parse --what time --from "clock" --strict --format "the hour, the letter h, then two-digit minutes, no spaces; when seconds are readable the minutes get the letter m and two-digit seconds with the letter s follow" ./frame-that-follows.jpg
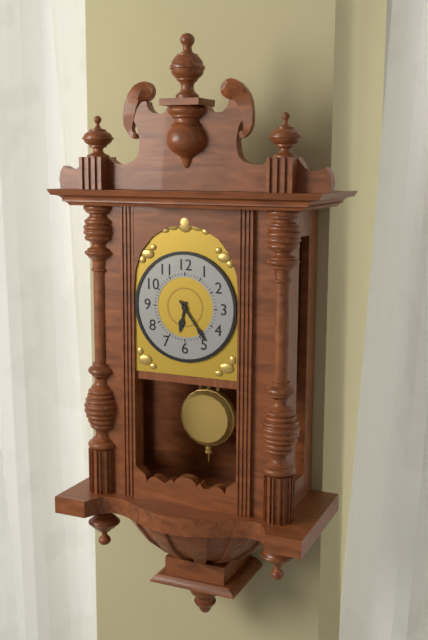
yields 6h24
